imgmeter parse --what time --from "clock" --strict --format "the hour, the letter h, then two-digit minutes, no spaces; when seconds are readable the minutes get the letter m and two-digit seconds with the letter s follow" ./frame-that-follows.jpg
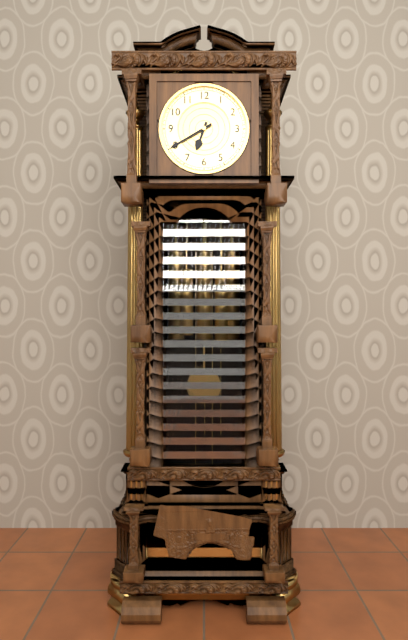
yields 6h40
